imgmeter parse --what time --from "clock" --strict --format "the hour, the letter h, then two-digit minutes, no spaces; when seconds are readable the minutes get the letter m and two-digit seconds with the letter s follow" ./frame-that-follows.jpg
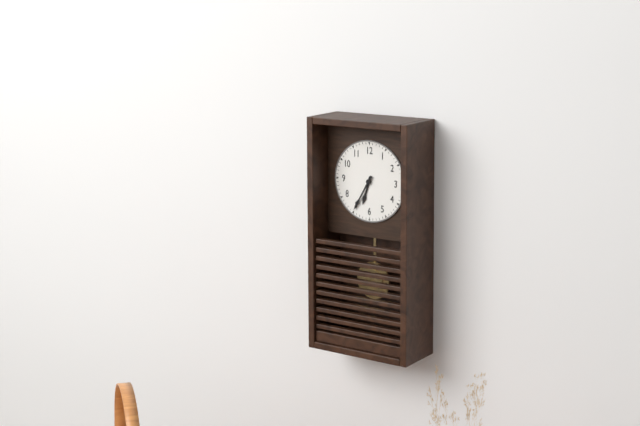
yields 6h35
